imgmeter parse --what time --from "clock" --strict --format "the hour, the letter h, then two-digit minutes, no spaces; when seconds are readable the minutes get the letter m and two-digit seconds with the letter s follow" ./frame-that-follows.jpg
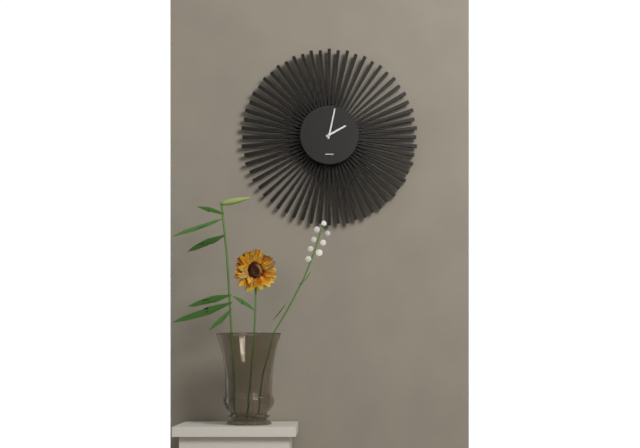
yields 2h02
